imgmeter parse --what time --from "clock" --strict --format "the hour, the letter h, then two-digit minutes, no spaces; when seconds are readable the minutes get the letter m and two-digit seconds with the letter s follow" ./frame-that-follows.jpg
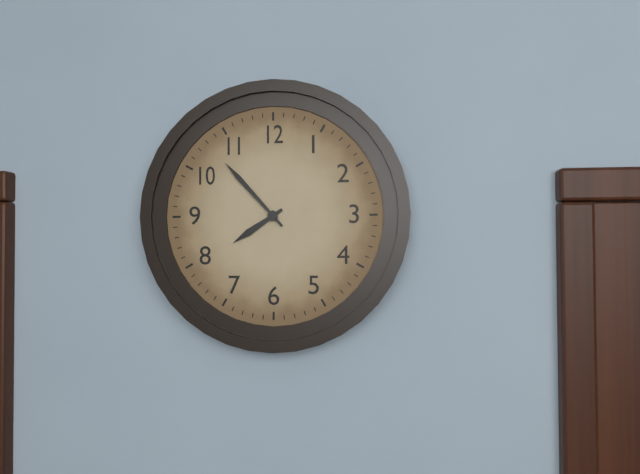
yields 7h53
